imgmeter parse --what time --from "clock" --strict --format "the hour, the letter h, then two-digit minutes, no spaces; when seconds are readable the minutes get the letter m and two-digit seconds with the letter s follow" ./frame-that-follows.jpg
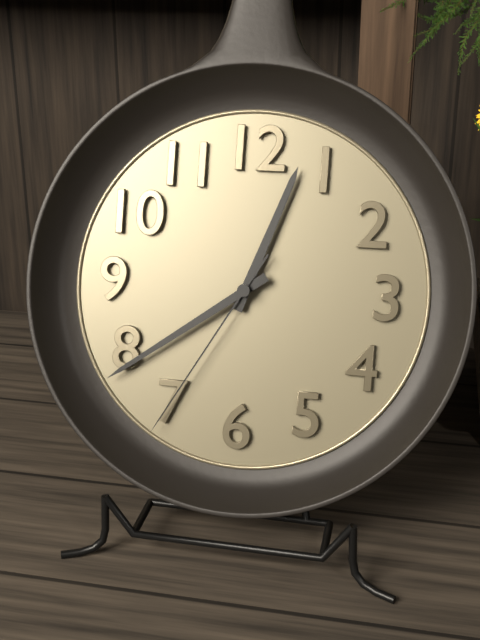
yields 12h39m35s
